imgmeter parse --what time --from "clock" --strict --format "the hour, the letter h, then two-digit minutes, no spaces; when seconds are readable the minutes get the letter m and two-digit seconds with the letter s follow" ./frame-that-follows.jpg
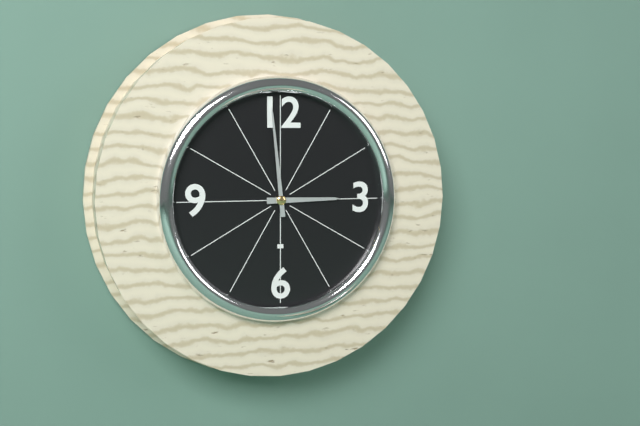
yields 2h59
